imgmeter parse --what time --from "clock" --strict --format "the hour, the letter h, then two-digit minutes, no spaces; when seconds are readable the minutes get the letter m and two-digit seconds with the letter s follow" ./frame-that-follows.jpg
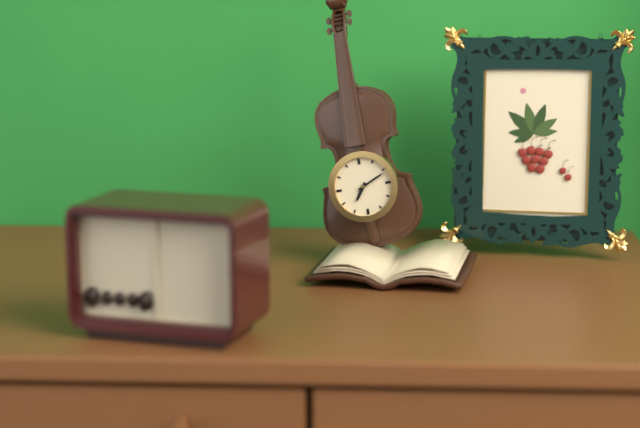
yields 7h11
